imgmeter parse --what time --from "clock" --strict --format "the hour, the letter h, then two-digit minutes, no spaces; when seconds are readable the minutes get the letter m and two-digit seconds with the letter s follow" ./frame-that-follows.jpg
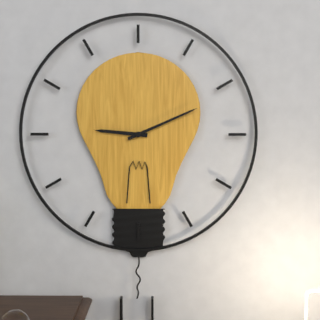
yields 9h11
